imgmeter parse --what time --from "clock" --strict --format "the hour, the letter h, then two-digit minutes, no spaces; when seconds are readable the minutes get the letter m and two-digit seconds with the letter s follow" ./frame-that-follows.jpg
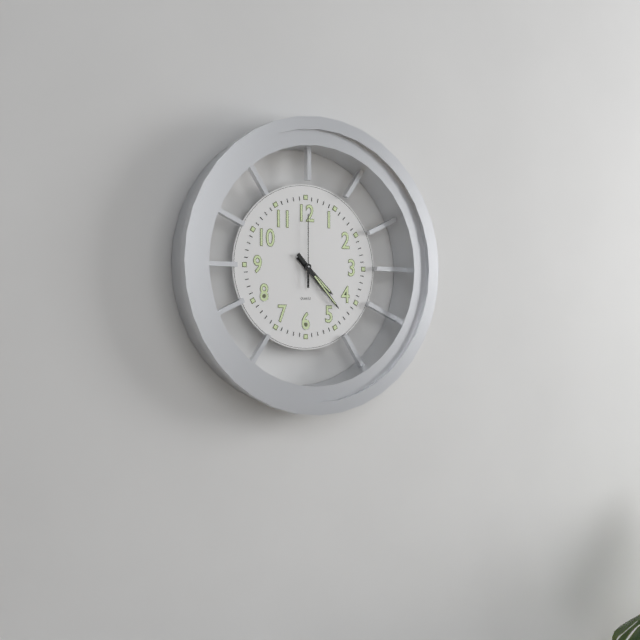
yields 4h23m00s
